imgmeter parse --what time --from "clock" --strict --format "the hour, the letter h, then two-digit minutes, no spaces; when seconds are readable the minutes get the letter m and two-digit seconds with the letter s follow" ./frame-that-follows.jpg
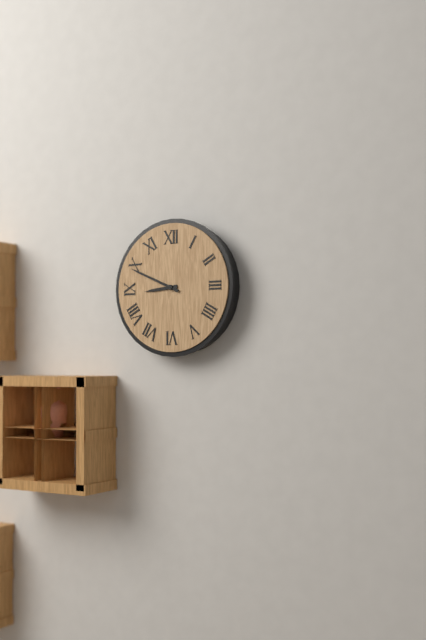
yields 8h49
